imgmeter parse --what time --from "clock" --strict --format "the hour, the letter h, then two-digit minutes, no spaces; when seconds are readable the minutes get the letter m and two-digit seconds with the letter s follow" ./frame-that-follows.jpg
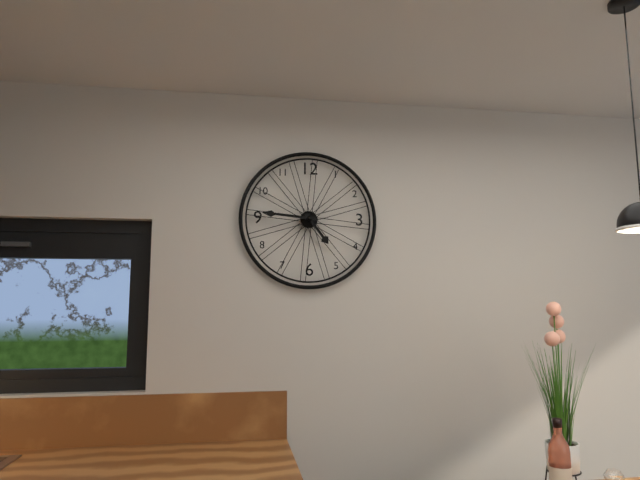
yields 4h46
